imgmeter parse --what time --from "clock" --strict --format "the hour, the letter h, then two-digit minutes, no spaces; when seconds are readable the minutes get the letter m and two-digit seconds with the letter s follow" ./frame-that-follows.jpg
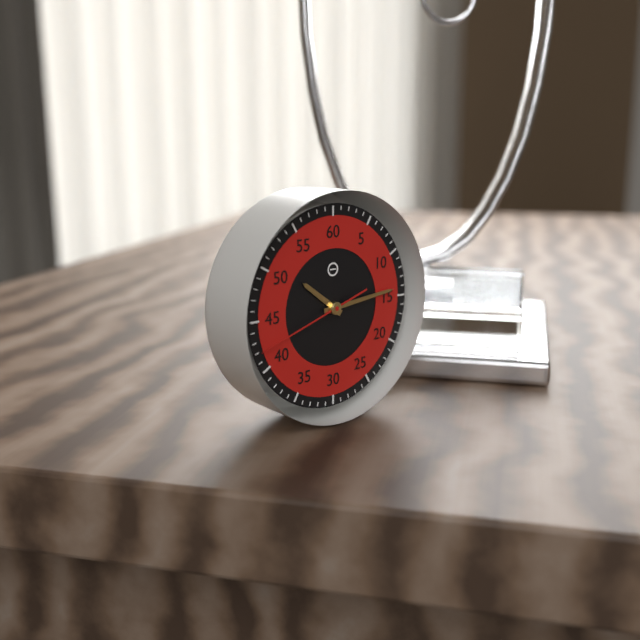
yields 10h14m42s
